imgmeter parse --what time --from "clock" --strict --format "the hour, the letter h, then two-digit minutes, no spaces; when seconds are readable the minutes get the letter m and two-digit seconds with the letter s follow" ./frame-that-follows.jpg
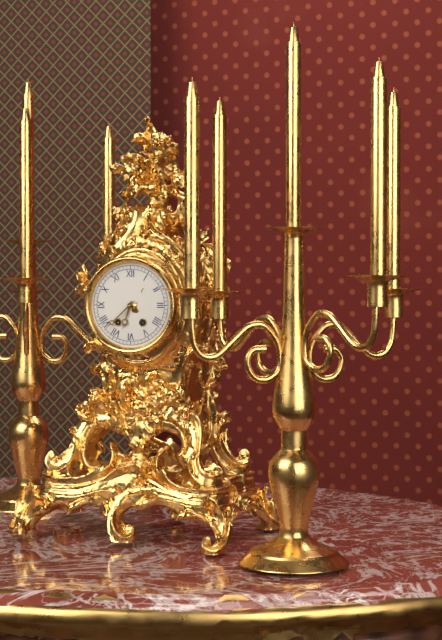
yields 6h38
